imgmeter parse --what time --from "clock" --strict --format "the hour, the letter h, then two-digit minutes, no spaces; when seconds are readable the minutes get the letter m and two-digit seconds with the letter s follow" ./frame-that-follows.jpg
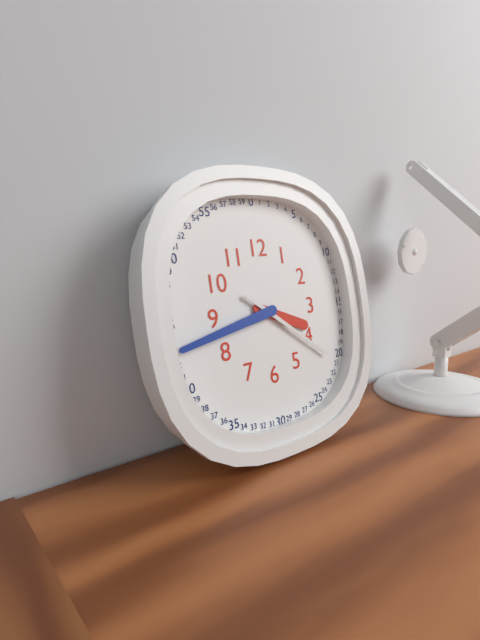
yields 3h43m21s
